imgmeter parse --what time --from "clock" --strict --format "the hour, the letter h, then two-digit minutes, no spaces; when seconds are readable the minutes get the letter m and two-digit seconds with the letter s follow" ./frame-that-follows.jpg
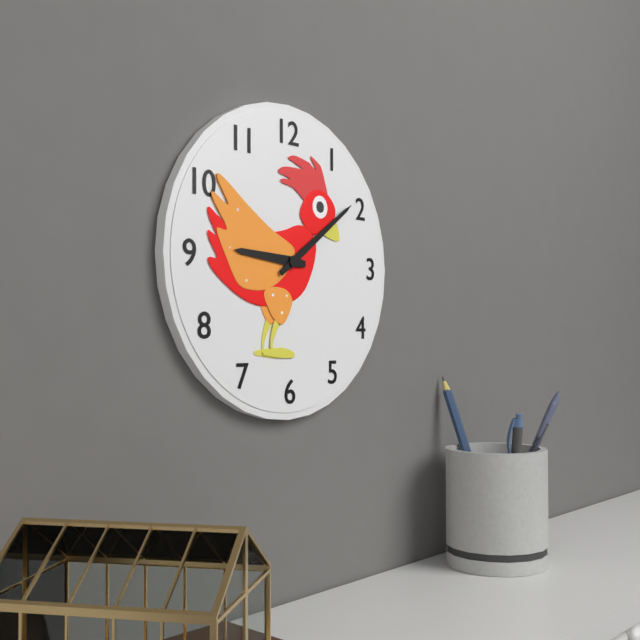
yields 9h09
